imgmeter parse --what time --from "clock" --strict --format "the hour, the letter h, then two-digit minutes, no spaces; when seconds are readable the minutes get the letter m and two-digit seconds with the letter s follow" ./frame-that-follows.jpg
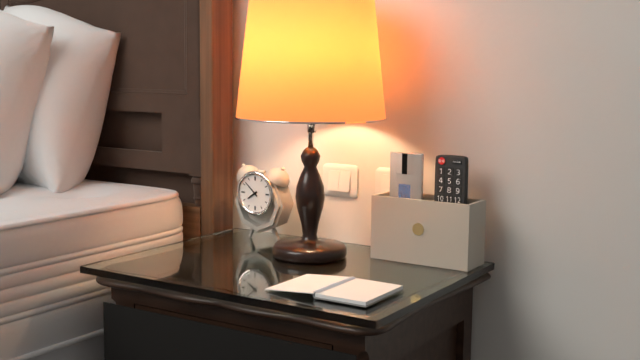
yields 7h52
